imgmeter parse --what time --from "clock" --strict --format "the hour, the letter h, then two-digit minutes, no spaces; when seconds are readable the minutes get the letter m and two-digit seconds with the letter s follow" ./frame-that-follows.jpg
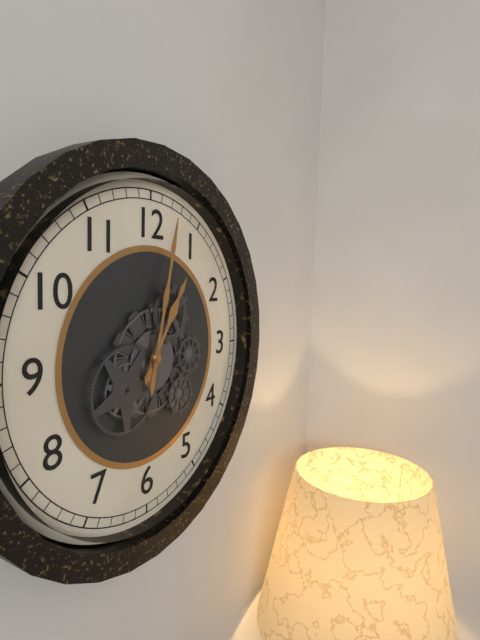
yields 1h02
